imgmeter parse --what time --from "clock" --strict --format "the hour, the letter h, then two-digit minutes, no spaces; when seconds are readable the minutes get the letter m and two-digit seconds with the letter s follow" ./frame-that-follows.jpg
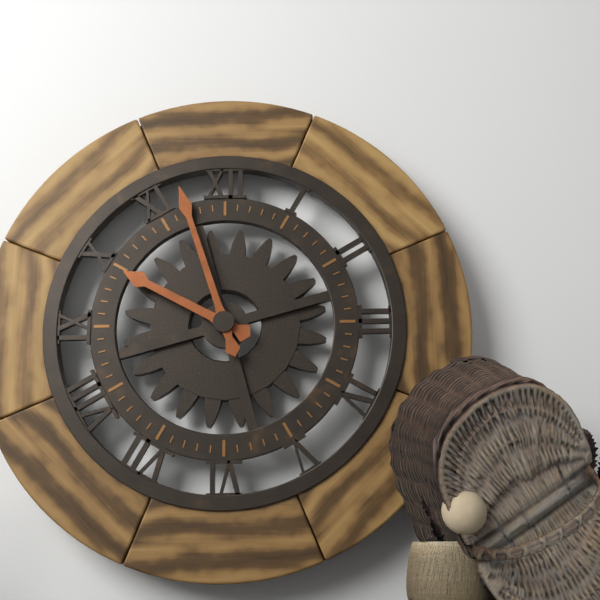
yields 9h57
